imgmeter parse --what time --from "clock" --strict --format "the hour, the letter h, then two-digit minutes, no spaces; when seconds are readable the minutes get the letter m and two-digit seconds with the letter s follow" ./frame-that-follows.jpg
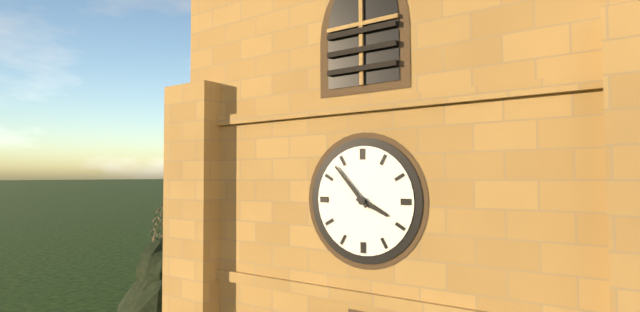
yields 3h53
